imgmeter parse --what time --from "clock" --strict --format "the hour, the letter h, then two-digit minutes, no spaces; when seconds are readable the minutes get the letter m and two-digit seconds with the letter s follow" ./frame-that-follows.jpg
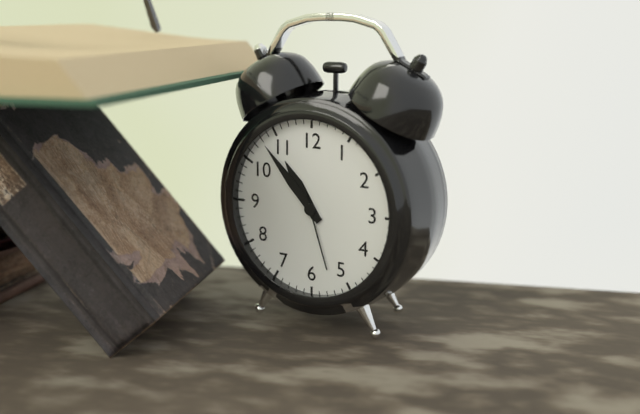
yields 10h53m27s
